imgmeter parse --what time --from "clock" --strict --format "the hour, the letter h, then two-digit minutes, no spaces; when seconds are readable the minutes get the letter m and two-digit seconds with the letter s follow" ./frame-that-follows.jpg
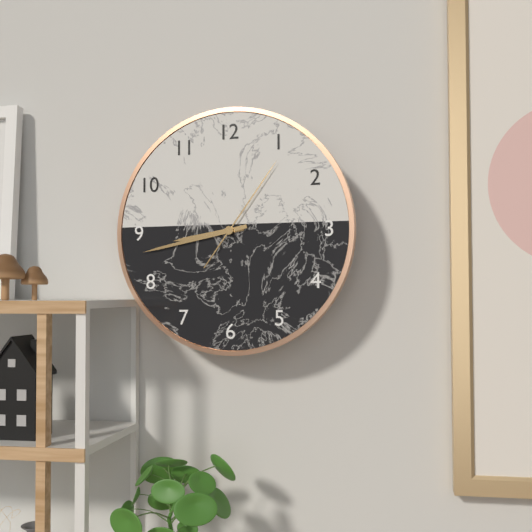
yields 8h43m06s
